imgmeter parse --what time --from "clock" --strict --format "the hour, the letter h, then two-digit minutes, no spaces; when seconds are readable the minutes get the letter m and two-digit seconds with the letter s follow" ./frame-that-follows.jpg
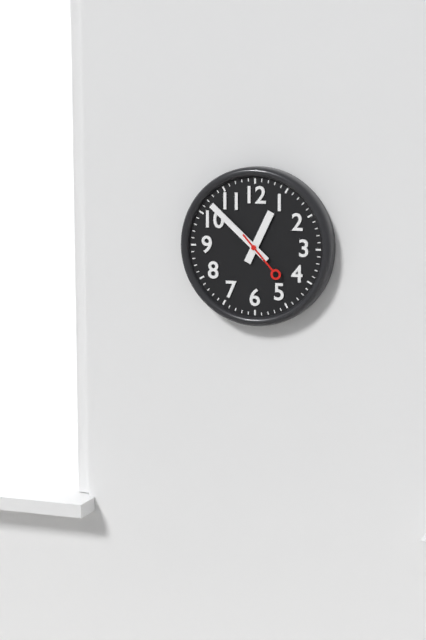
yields 12h52
